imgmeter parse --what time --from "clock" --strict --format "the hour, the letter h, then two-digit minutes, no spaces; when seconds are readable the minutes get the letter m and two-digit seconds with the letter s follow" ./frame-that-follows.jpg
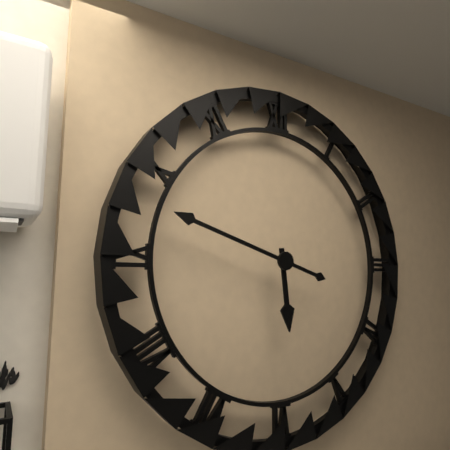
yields 5h48
